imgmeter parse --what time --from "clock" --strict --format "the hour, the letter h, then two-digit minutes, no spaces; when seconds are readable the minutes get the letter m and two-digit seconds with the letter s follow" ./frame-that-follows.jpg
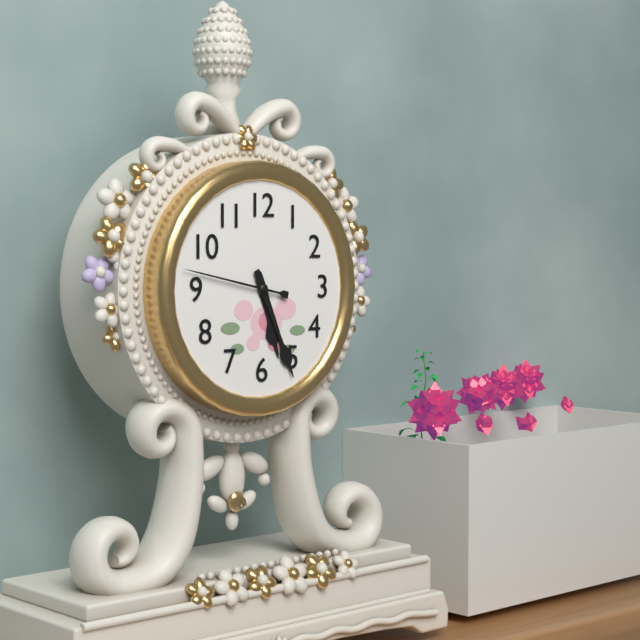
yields 5h26m47s
